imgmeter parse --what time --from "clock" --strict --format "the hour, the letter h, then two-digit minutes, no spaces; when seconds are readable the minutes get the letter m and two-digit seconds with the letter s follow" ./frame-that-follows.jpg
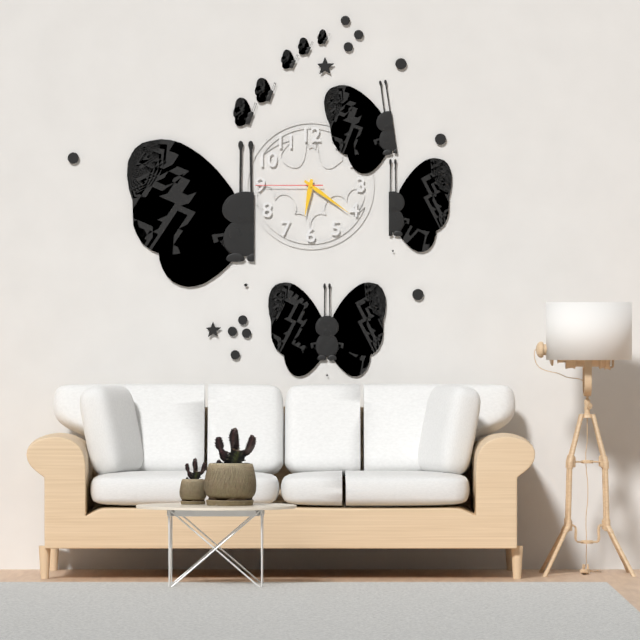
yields 6h21m45s
